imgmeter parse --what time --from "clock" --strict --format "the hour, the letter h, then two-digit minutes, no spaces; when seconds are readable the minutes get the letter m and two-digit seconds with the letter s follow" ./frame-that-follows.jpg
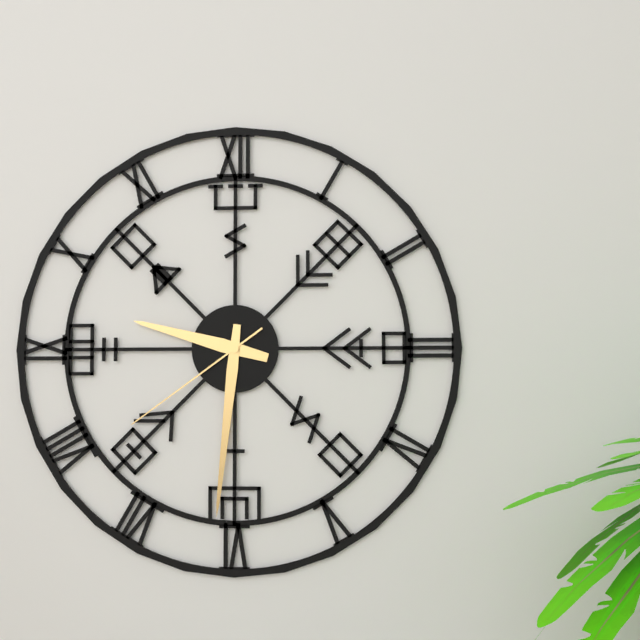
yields 9h31m39s
